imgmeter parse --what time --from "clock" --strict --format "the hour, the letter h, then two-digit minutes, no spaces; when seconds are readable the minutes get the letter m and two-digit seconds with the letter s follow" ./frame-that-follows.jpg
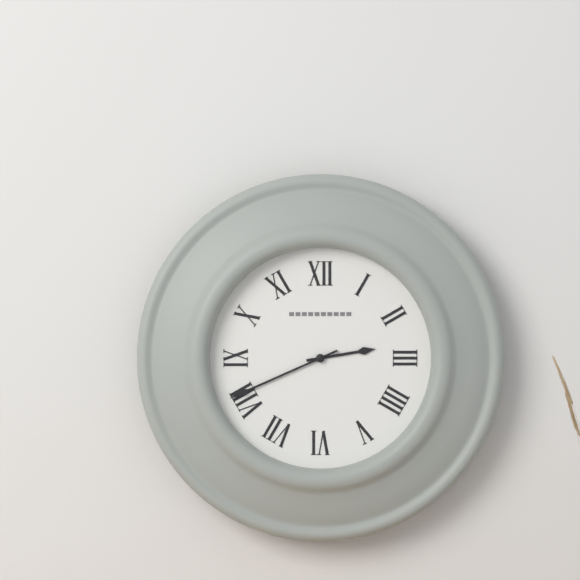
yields 2h41
